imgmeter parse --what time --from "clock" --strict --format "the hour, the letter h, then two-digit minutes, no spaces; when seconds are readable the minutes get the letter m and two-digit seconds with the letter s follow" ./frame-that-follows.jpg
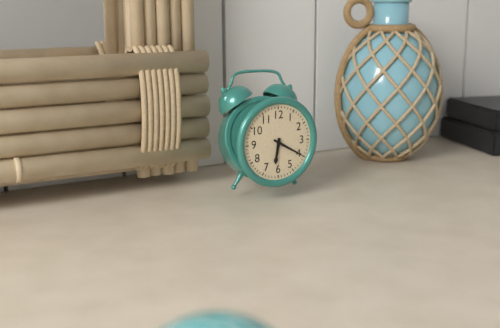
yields 6h20
